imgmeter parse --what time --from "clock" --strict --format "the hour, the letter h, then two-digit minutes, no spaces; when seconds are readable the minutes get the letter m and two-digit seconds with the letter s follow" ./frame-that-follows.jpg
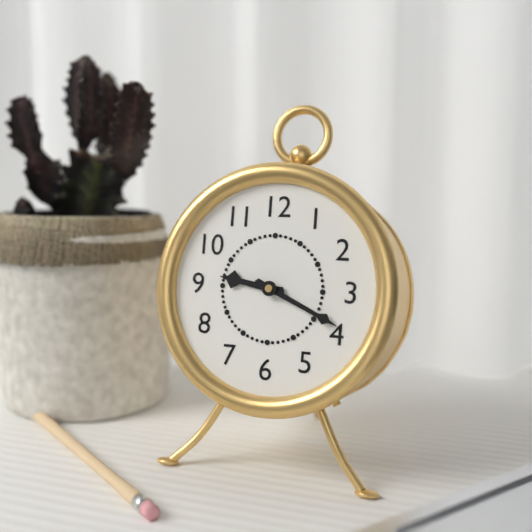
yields 9h19
